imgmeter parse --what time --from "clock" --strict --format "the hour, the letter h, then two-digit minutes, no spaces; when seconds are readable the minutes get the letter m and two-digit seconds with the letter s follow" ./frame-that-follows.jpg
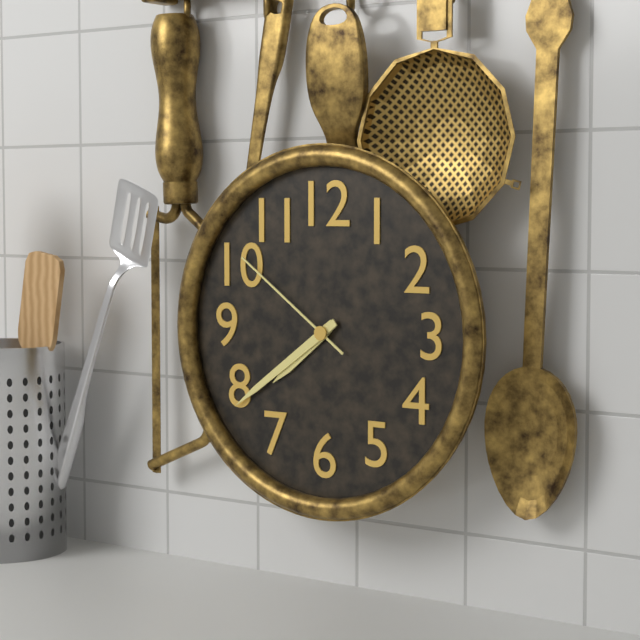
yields 7h39m51s
